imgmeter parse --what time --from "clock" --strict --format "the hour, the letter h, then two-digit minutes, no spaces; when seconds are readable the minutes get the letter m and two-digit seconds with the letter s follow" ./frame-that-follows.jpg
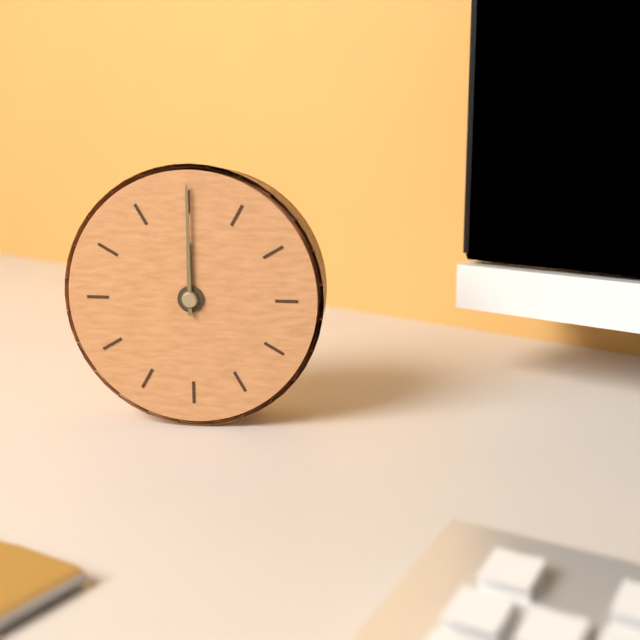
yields 12h00
